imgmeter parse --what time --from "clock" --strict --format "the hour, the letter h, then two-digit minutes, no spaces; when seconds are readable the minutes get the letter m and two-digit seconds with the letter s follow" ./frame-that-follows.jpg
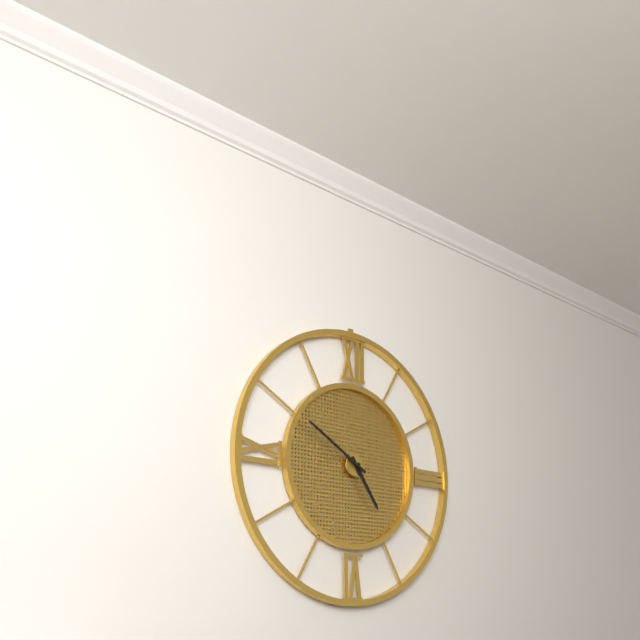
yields 4h50
